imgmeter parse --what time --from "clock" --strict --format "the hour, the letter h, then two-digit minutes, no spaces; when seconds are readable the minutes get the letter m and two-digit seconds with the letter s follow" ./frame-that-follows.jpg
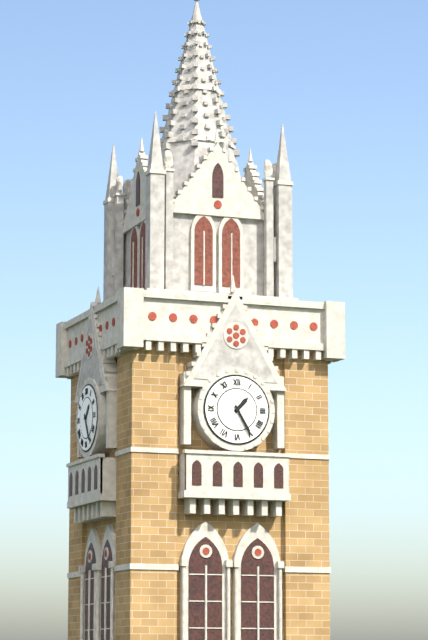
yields 1h25
